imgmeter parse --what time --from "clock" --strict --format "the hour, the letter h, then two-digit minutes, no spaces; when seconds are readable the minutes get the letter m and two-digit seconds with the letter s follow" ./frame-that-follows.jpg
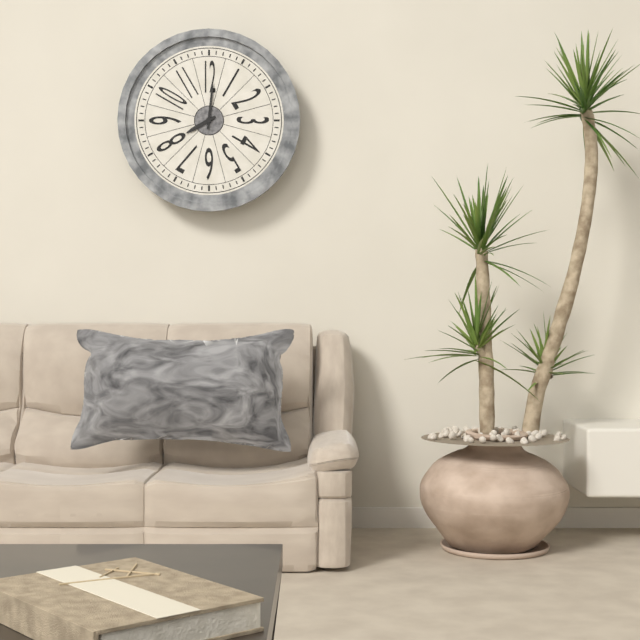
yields 8h01
